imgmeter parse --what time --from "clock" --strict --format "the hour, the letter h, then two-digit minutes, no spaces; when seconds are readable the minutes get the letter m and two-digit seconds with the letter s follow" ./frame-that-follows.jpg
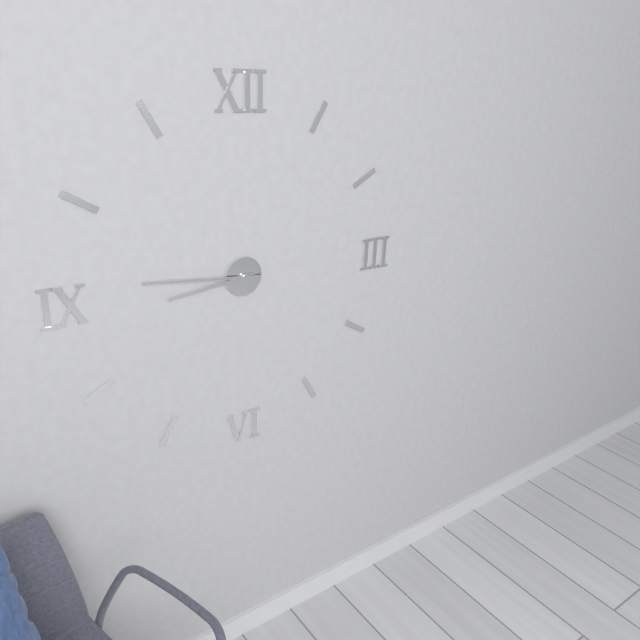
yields 8h46
